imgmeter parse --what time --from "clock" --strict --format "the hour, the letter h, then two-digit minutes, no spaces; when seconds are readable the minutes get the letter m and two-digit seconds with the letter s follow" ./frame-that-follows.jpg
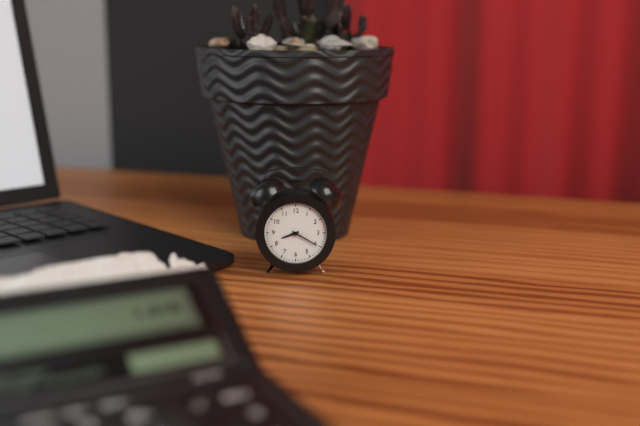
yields 8h20
